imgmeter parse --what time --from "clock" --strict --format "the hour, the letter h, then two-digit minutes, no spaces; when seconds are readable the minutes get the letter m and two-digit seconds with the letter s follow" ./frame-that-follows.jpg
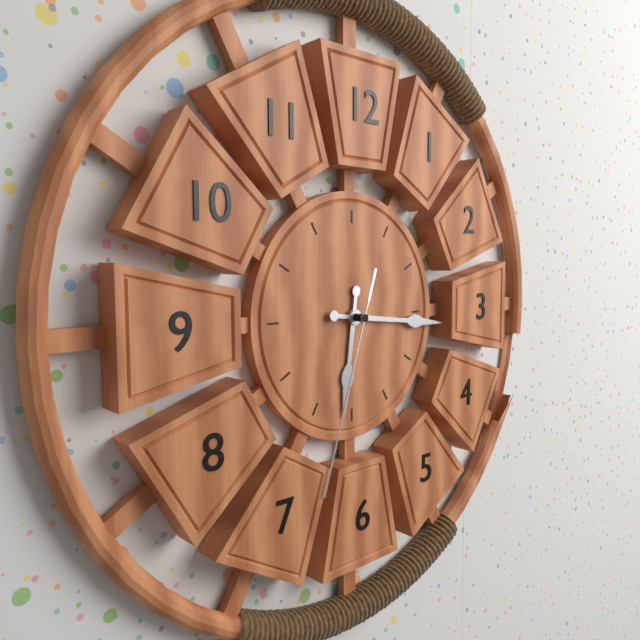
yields 6h16m33s
